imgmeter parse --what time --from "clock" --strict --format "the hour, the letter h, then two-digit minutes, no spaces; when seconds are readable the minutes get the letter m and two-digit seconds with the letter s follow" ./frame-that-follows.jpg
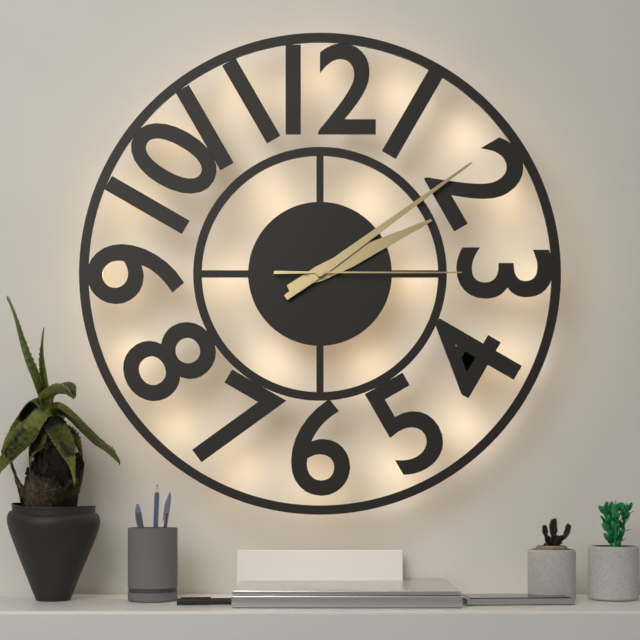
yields 2h09m15s
